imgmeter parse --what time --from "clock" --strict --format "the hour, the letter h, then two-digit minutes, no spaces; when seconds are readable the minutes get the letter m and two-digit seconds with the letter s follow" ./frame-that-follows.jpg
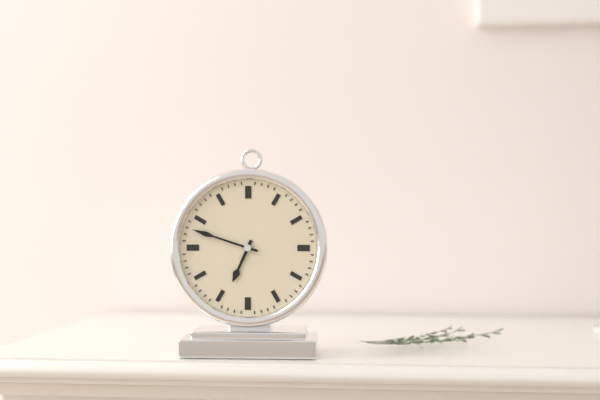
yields 6h48
